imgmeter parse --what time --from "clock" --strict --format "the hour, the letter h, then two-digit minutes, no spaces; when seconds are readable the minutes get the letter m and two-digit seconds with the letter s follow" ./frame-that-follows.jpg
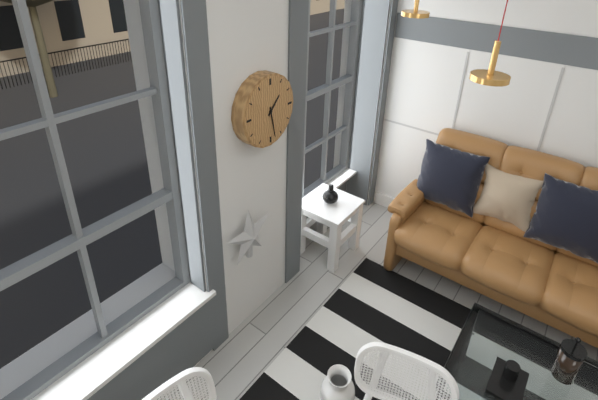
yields 1h28
